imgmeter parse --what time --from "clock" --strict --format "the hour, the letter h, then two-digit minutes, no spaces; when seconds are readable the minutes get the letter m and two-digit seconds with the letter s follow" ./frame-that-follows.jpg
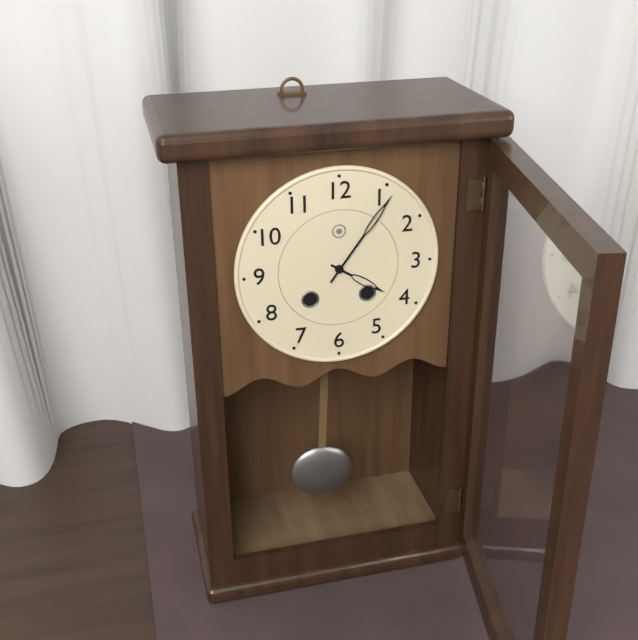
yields 4h06
